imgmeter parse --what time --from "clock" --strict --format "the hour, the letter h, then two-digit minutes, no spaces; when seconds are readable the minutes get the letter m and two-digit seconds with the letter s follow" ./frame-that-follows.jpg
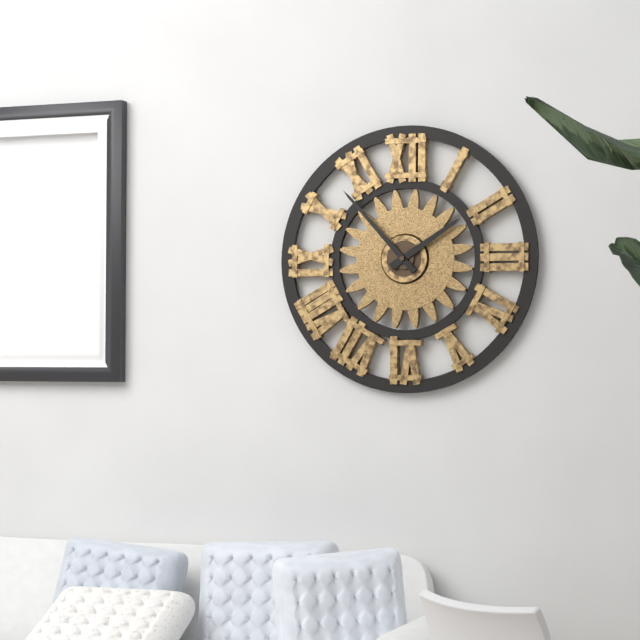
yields 1h53
